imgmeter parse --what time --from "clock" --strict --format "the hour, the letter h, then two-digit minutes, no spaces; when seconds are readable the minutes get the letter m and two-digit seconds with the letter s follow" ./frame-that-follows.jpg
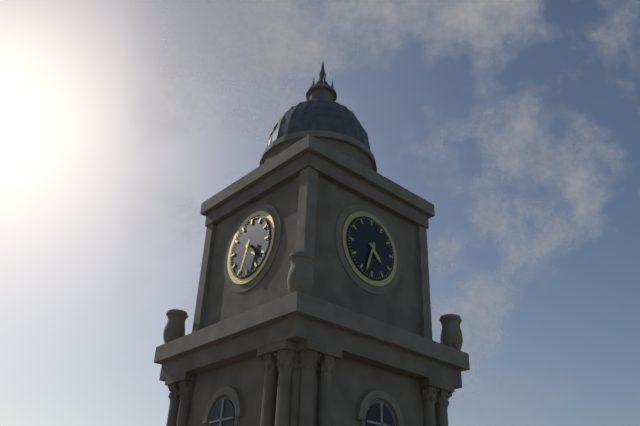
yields 4h33
